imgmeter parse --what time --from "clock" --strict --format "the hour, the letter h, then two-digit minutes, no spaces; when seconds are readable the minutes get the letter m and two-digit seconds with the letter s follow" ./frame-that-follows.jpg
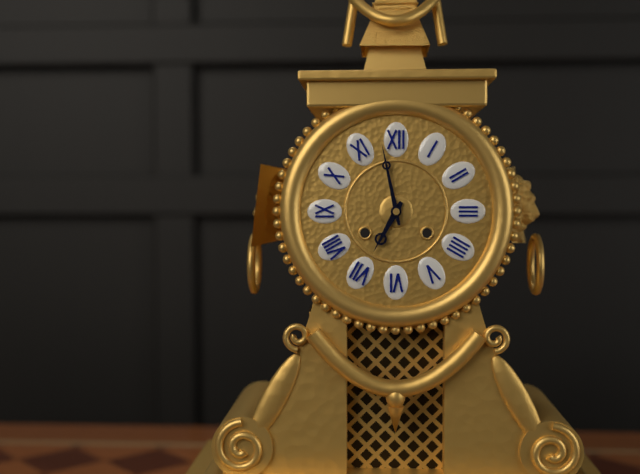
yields 6h58
